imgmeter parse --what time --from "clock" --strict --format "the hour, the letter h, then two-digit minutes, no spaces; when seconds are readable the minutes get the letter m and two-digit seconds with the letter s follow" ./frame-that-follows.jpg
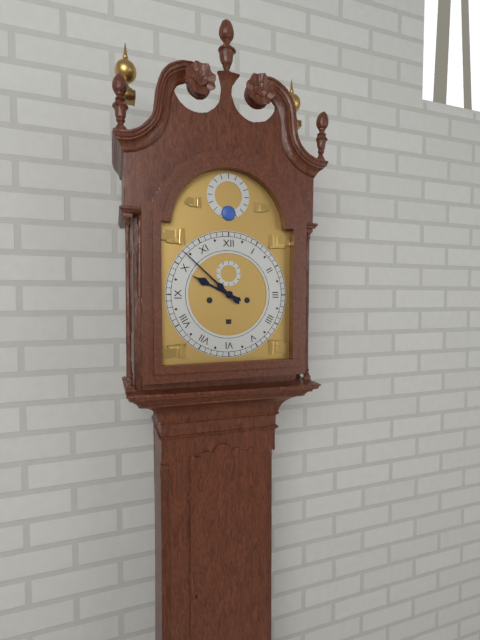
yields 9h52
